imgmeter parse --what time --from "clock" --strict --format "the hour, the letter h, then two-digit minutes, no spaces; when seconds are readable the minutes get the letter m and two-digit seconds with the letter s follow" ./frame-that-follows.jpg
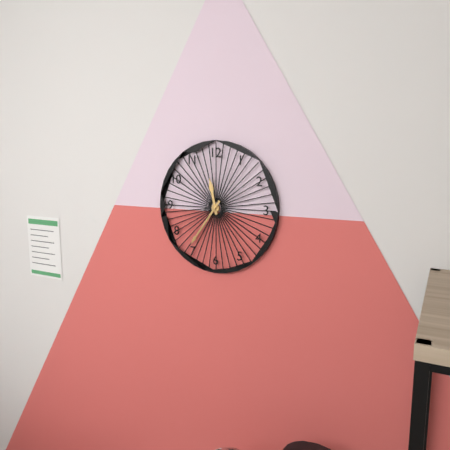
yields 11h36
